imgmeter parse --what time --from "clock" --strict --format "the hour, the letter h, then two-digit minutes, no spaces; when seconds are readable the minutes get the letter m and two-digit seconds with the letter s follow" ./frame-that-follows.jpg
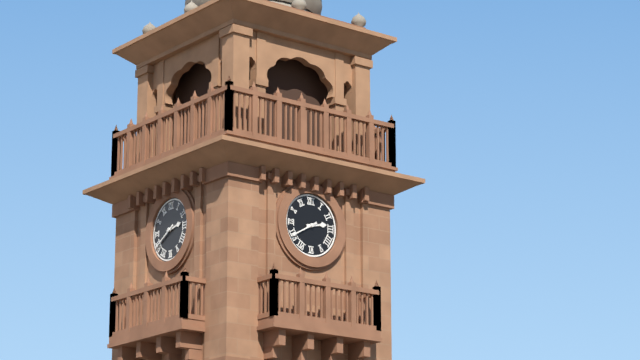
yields 2h40
